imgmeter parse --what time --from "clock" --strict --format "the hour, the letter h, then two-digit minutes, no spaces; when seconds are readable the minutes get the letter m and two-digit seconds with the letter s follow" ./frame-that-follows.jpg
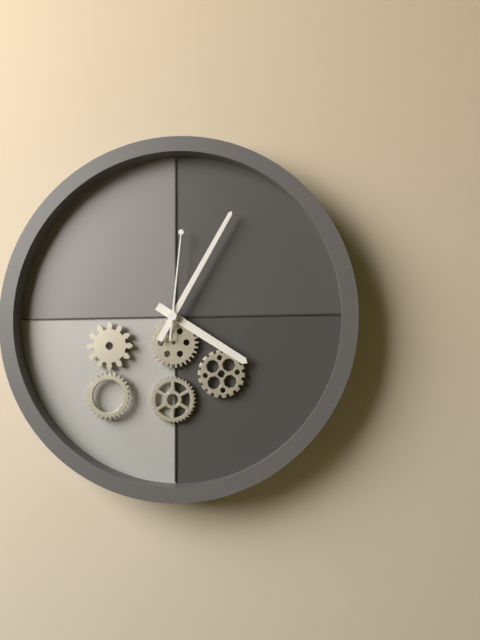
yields 4h05m01s
